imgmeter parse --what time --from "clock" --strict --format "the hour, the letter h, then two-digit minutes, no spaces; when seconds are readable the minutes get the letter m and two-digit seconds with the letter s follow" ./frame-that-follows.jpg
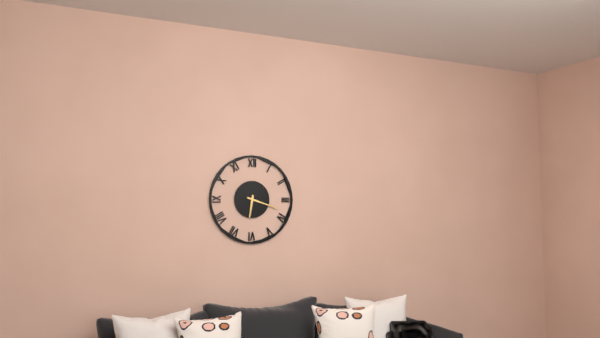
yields 6h18
